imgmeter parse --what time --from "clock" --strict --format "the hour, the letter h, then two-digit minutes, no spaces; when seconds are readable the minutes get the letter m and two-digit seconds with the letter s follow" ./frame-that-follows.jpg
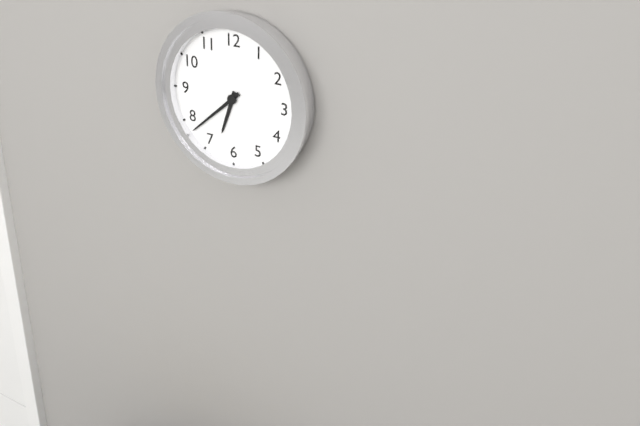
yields 6h38
